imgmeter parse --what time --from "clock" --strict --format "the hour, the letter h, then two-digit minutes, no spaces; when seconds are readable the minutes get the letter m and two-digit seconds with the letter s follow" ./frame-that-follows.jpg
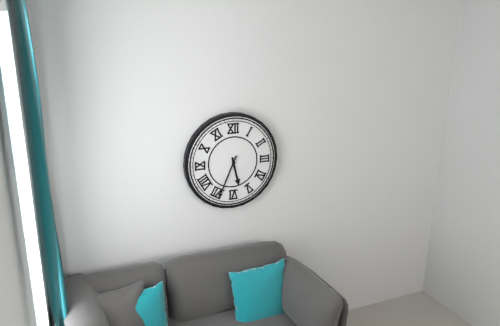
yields 5h34
